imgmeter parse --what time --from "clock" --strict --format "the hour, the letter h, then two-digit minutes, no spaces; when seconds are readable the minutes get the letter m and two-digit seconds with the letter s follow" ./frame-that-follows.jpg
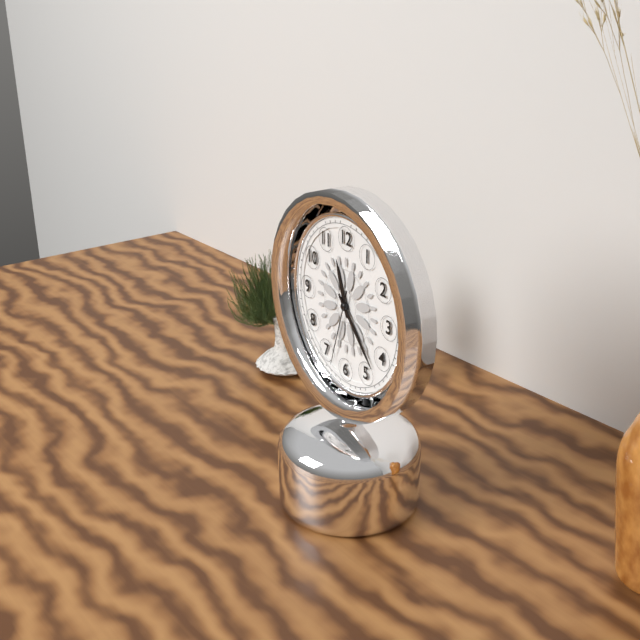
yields 11h23m33s
